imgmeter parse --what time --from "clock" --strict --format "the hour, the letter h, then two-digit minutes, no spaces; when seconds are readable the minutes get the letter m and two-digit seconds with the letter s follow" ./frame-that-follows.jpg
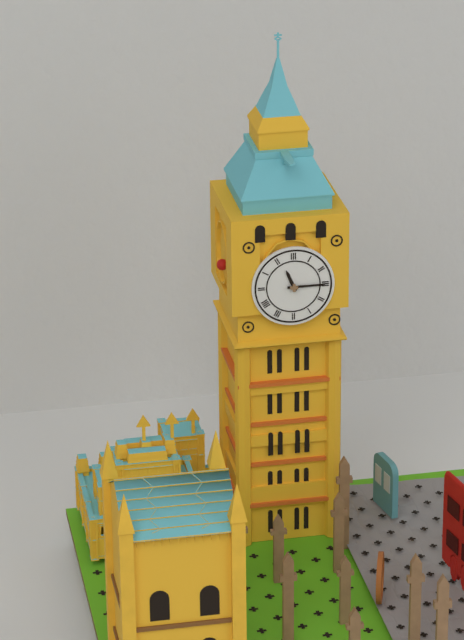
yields 11h15
